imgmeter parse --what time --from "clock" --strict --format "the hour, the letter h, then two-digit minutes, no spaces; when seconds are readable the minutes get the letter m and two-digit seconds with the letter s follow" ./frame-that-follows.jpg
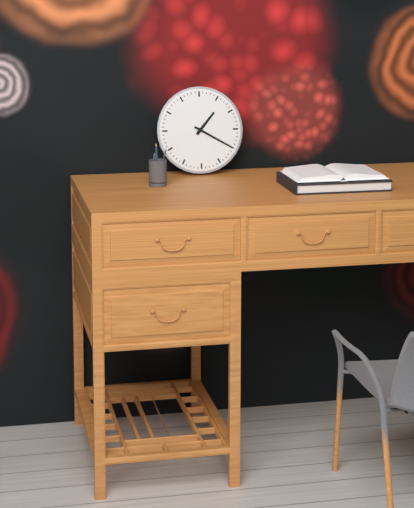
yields 1h20
